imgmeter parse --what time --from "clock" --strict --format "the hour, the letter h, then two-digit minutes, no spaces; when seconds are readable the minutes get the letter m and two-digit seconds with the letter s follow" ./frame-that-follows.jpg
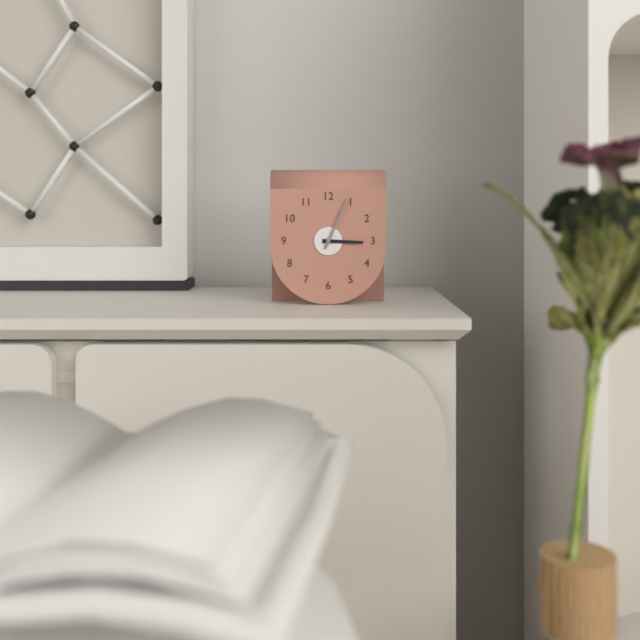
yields 3h04
